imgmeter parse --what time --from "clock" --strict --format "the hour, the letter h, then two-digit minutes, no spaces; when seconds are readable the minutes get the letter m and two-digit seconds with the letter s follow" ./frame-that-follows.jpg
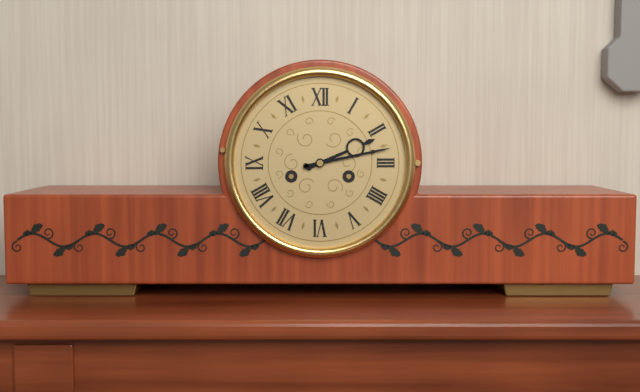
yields 2h13
